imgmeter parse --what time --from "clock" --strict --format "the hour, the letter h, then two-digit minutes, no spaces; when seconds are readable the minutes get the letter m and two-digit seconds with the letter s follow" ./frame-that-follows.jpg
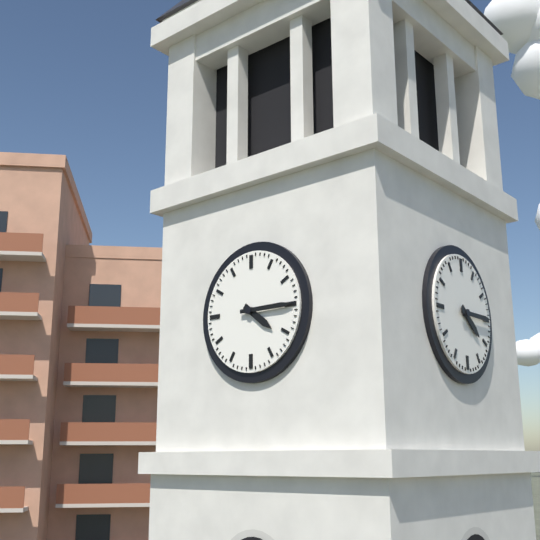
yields 4h15
